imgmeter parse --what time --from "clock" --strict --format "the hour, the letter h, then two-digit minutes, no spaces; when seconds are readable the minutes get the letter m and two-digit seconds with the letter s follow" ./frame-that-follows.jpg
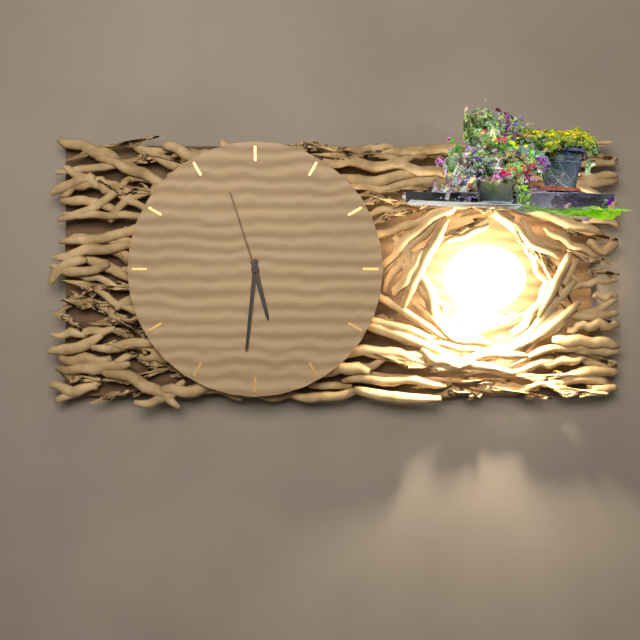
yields 5h31m57s
